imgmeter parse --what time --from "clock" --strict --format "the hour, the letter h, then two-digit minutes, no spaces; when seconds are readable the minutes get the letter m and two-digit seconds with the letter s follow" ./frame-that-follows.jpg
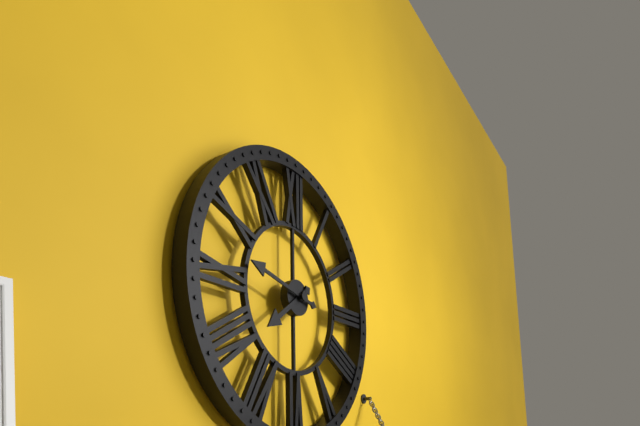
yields 7h47
